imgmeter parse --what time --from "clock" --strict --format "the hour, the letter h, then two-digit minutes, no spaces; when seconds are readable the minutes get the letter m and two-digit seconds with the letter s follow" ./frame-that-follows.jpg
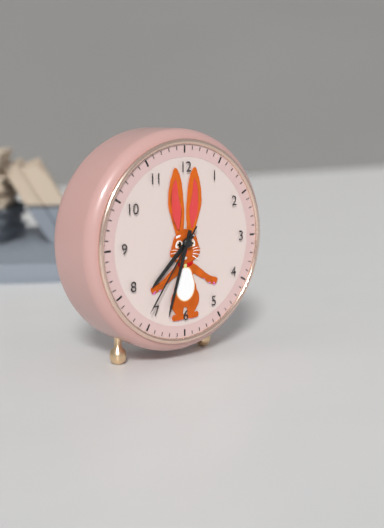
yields 7h33m36s
